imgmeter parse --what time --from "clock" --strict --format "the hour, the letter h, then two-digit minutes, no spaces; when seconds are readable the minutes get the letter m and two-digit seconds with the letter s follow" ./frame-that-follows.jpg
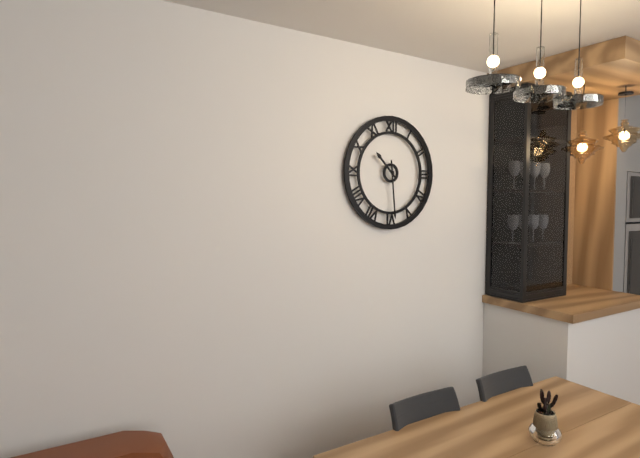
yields 10h29
